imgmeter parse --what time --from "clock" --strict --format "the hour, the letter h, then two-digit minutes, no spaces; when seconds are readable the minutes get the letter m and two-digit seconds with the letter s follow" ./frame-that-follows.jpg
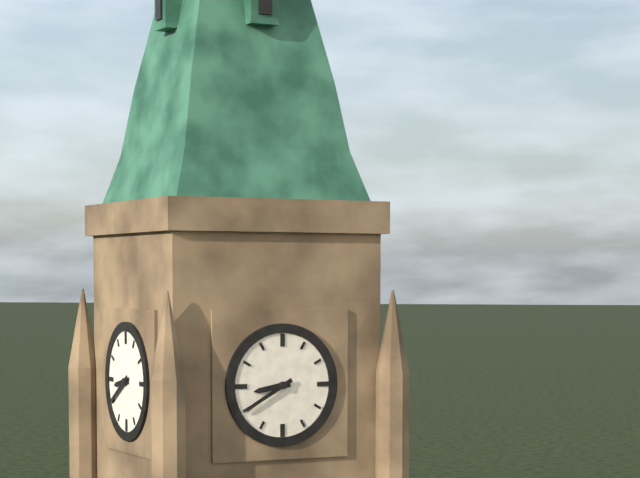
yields 8h40
